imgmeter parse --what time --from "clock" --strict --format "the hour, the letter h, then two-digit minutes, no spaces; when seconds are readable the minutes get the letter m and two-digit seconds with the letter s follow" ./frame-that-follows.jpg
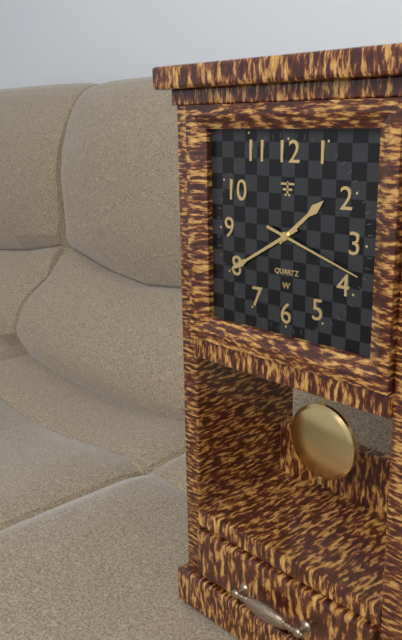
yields 1h40m18s
